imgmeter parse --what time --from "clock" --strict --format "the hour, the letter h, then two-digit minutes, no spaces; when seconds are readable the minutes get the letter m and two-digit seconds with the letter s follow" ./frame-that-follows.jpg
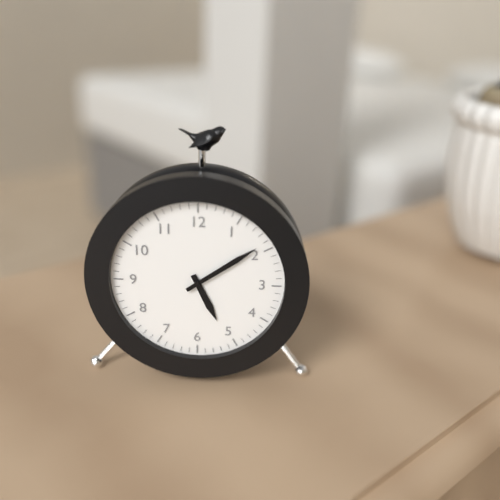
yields 5h09
